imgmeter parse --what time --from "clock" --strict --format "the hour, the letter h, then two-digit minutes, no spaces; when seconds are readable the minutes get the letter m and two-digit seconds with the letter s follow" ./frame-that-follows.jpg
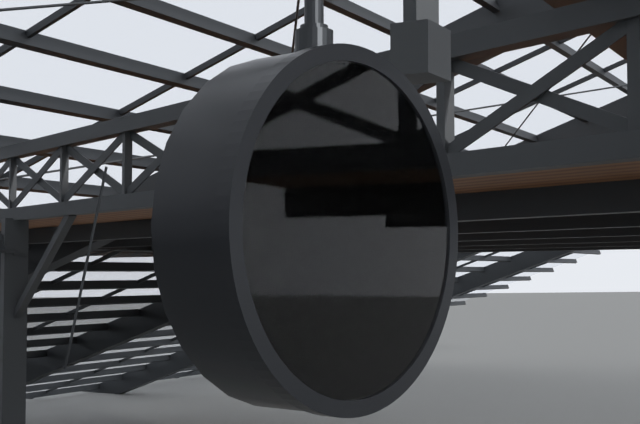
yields 12h36m16s
